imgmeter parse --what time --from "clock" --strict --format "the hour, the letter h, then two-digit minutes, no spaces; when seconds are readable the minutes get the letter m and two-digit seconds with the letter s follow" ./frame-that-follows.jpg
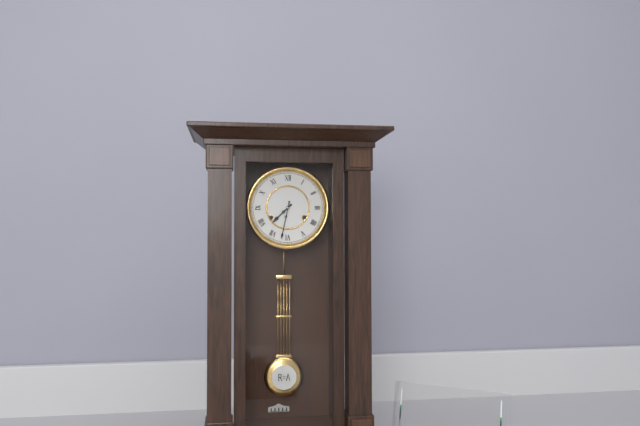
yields 7h32
